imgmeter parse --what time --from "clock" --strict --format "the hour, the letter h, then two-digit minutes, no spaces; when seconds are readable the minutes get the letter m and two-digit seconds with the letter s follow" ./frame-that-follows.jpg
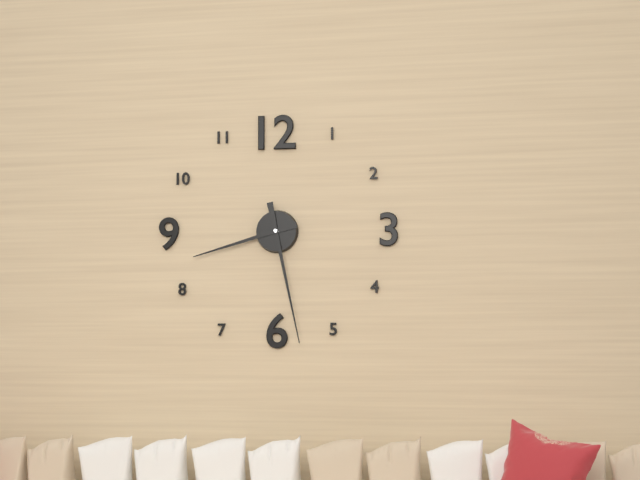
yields 8h28
